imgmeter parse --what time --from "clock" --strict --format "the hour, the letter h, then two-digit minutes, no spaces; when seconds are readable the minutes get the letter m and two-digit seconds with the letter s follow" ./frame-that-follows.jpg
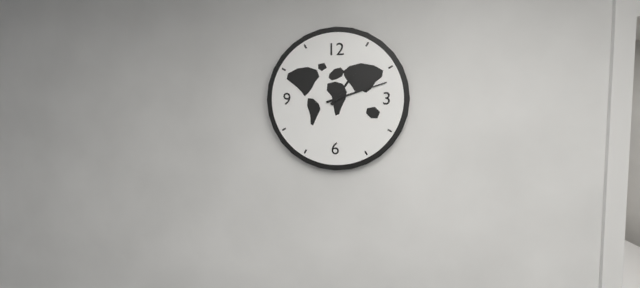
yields 1h12
